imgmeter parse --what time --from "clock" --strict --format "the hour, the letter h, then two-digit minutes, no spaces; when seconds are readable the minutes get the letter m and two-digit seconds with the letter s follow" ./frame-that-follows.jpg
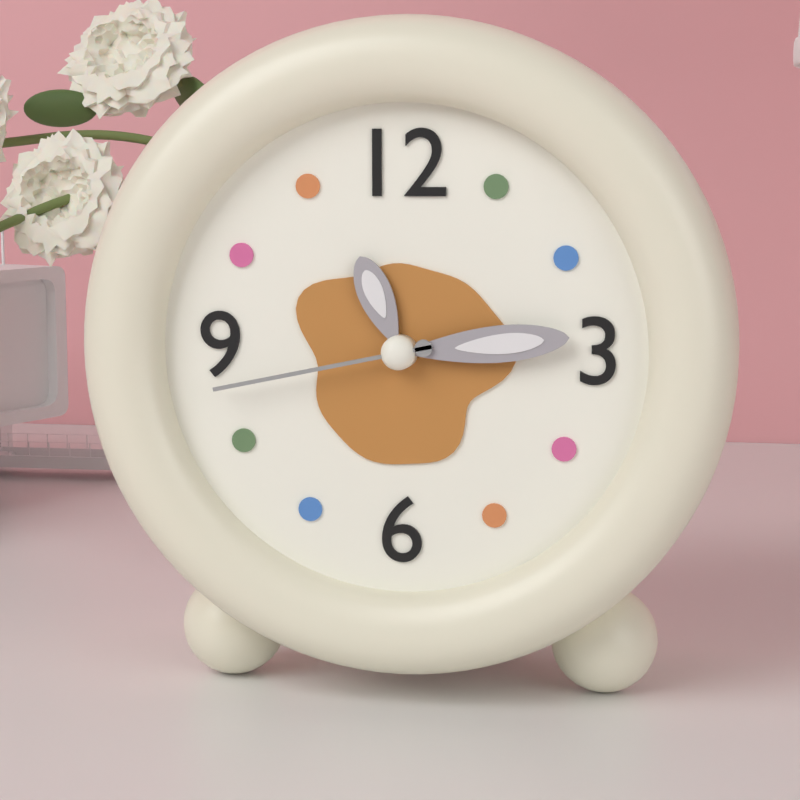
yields 11h14m43s
